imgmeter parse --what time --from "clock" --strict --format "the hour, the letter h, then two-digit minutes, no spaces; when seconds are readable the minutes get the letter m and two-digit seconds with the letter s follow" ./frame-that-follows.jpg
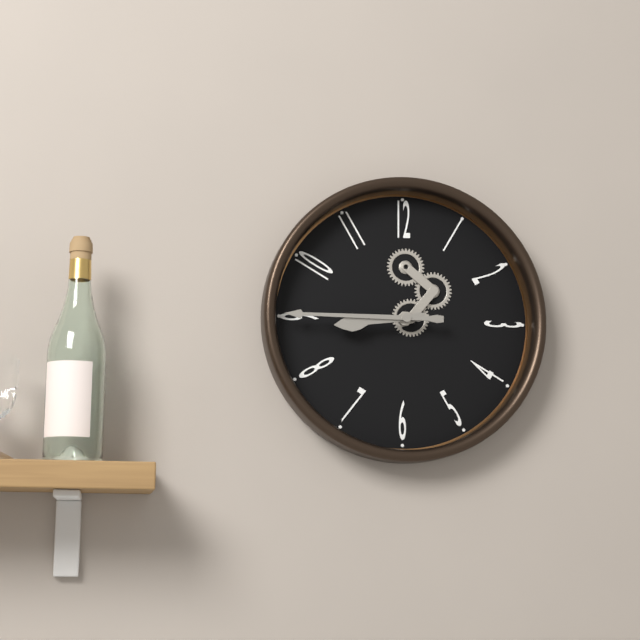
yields 8h45
